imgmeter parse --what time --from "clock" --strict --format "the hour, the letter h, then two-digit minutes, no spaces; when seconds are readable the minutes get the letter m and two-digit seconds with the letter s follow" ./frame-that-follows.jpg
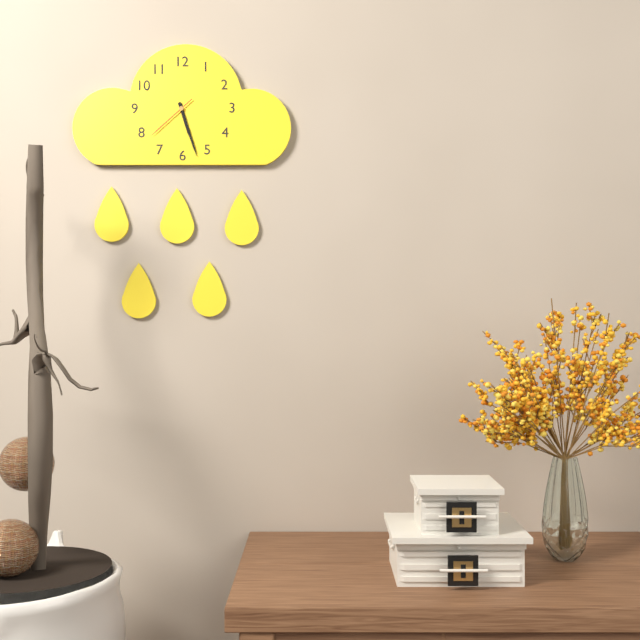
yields 5h27m38s
